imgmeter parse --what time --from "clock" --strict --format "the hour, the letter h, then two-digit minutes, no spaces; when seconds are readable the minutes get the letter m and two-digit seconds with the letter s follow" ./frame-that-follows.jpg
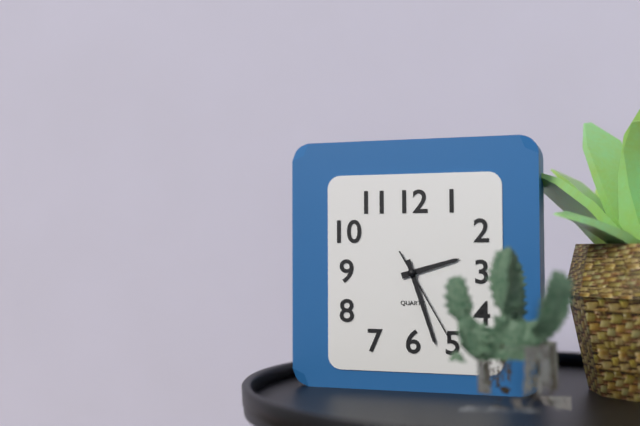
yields 2h27m25s
